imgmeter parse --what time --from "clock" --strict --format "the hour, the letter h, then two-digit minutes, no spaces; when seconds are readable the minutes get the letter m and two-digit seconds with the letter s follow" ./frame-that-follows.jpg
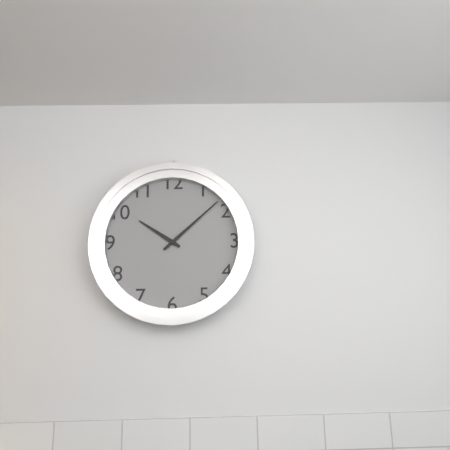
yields 10h08
